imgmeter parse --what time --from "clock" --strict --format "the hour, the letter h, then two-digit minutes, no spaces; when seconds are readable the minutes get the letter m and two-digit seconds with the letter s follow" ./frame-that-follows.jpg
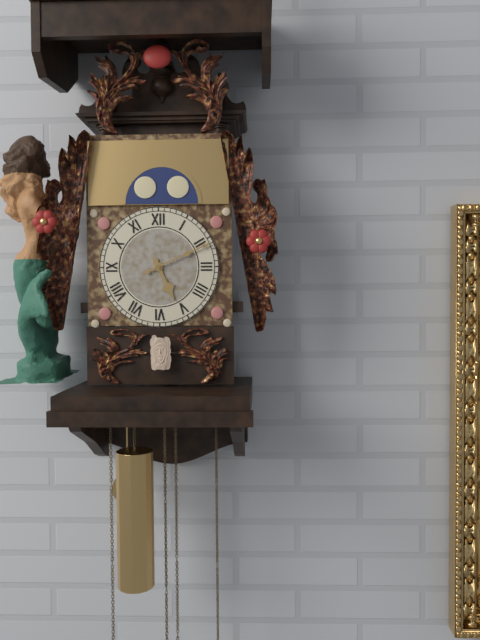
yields 5h11
